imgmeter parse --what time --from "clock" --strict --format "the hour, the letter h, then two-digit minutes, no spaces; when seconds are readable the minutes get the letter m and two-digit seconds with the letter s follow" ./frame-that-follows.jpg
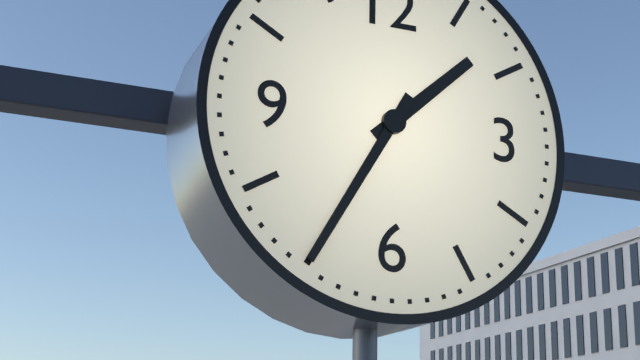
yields 1h35
